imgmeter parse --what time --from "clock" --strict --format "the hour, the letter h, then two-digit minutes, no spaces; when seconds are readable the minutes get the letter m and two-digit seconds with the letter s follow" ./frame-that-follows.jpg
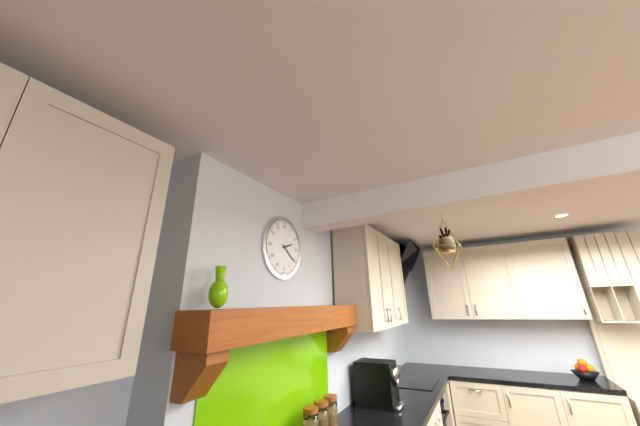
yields 2h21
